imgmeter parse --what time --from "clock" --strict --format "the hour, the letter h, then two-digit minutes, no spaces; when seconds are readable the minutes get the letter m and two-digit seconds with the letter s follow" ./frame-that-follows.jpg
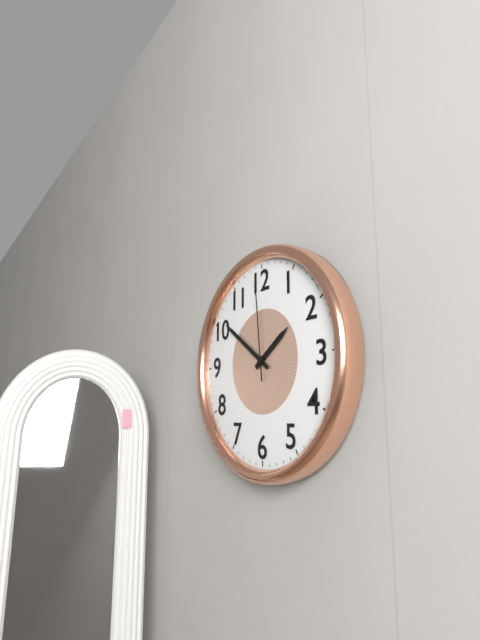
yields 1h51m59s
